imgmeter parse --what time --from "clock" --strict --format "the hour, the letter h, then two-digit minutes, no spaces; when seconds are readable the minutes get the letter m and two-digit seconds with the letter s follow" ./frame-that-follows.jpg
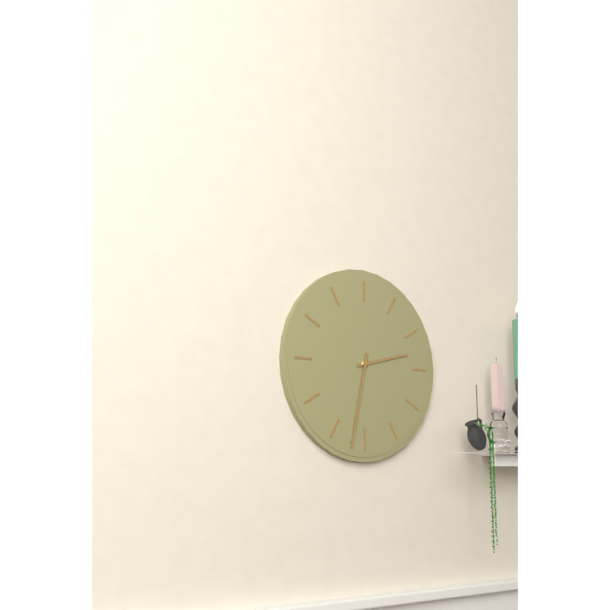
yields 2h32
